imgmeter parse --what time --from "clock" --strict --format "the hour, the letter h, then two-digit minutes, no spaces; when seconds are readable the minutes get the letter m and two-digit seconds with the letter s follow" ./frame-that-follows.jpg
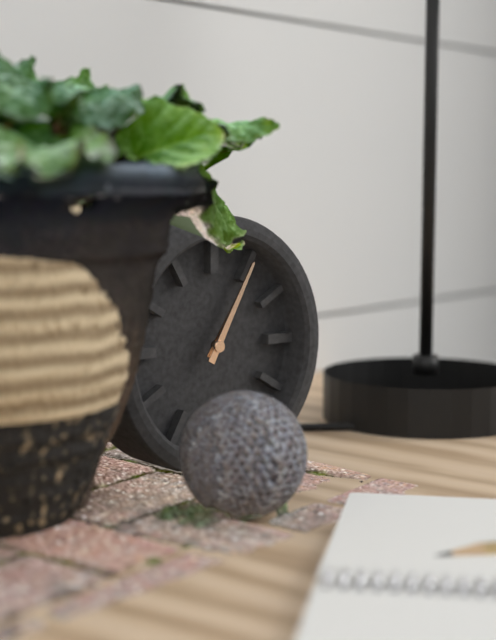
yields 1h05
